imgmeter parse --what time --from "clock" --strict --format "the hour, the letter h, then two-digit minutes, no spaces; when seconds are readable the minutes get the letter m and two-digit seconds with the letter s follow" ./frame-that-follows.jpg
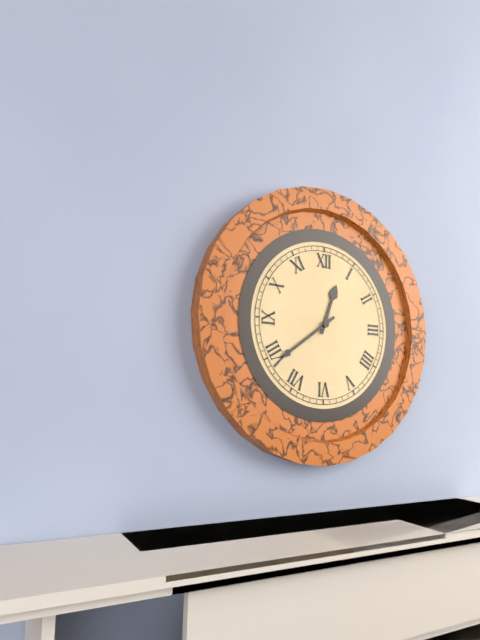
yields 12h39
